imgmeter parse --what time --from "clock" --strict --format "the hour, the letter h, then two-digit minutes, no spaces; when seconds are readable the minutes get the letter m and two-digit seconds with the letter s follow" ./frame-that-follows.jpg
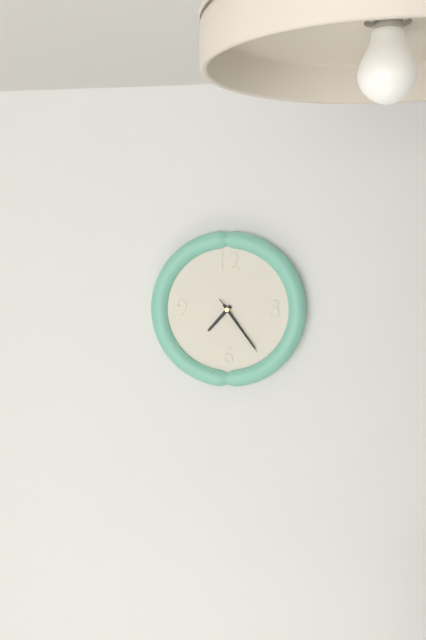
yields 7h24m24s
